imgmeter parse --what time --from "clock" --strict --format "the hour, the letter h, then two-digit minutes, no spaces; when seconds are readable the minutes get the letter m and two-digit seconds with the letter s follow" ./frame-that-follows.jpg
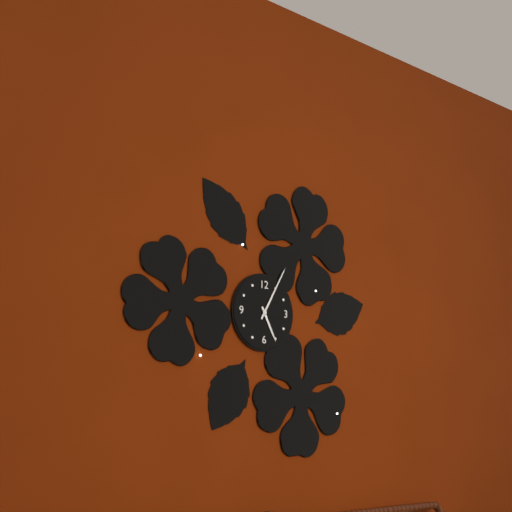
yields 5h05
